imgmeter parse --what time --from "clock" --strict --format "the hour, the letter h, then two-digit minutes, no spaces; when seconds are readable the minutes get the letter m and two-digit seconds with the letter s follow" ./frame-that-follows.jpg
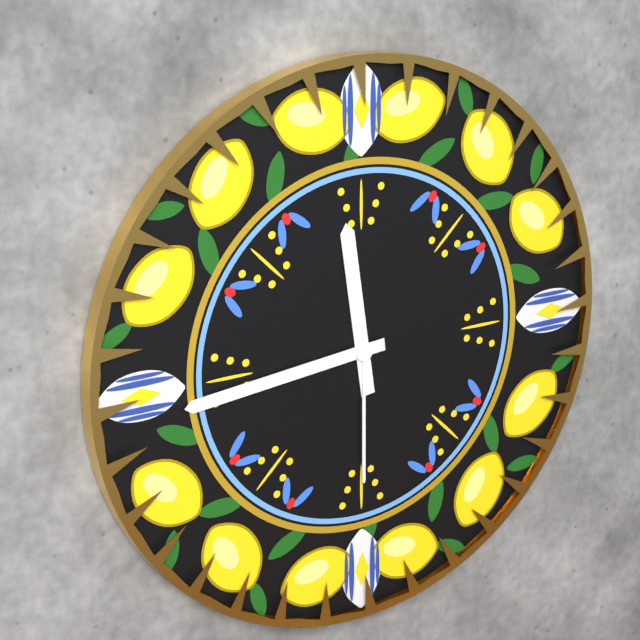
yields 11h44m30s
